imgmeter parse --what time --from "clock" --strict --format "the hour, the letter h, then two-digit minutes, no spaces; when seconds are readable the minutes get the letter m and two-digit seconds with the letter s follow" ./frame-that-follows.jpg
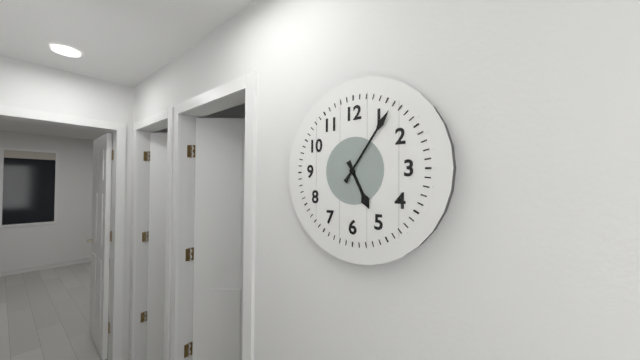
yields 5h06
